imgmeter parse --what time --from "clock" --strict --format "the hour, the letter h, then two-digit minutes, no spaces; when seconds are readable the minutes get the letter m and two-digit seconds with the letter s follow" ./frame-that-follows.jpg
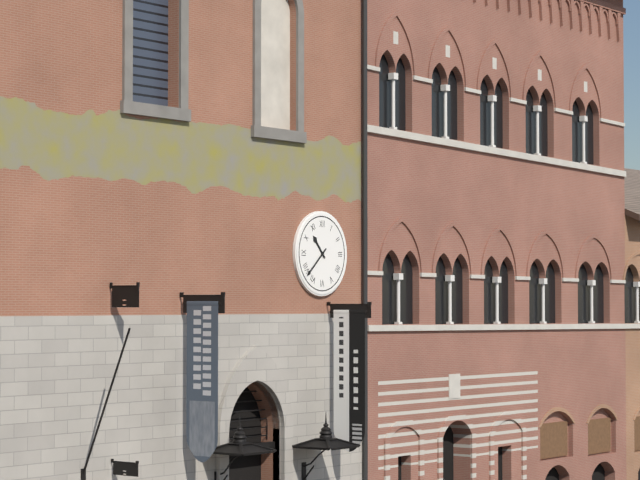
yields 10h38
